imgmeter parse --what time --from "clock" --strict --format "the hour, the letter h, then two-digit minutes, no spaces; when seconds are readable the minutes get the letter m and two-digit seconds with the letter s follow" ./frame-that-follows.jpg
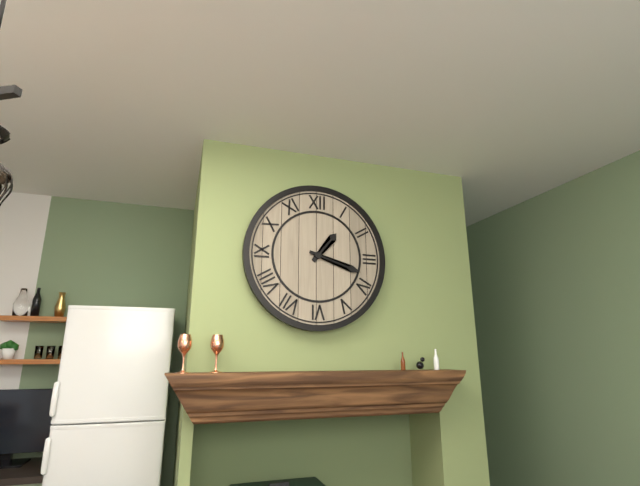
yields 1h18
